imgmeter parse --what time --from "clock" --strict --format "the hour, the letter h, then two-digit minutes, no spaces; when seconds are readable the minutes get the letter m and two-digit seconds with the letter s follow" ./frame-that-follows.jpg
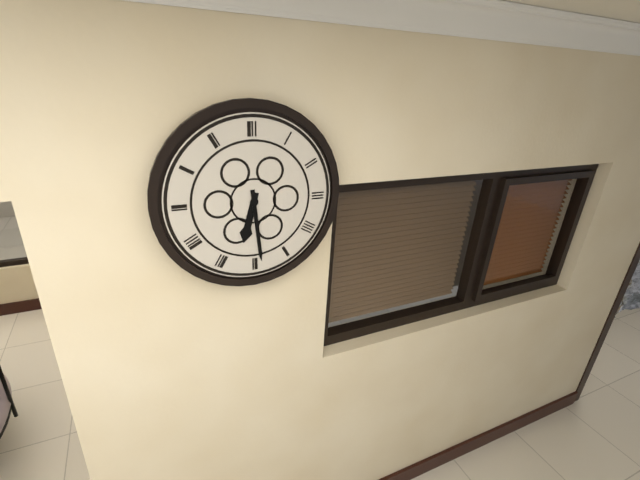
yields 6h29
